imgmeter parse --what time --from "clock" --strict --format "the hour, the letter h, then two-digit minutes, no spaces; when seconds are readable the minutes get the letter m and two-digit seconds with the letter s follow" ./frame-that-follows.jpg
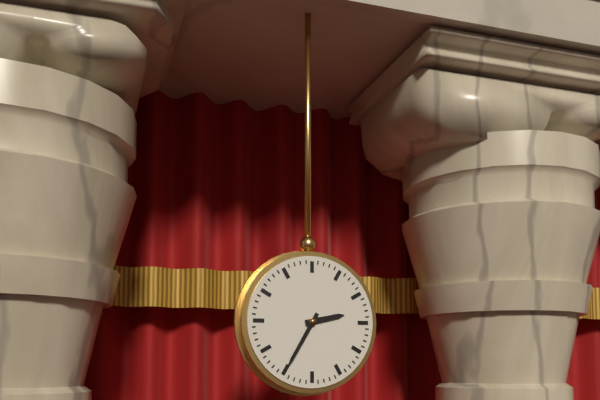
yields 2h35
